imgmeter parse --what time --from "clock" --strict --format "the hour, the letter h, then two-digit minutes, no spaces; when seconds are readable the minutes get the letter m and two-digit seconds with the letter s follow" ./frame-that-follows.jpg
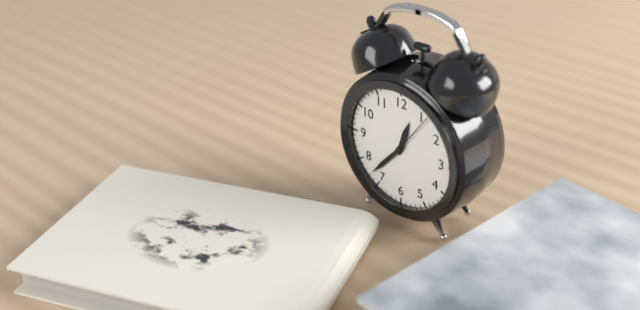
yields 12h37m06s
